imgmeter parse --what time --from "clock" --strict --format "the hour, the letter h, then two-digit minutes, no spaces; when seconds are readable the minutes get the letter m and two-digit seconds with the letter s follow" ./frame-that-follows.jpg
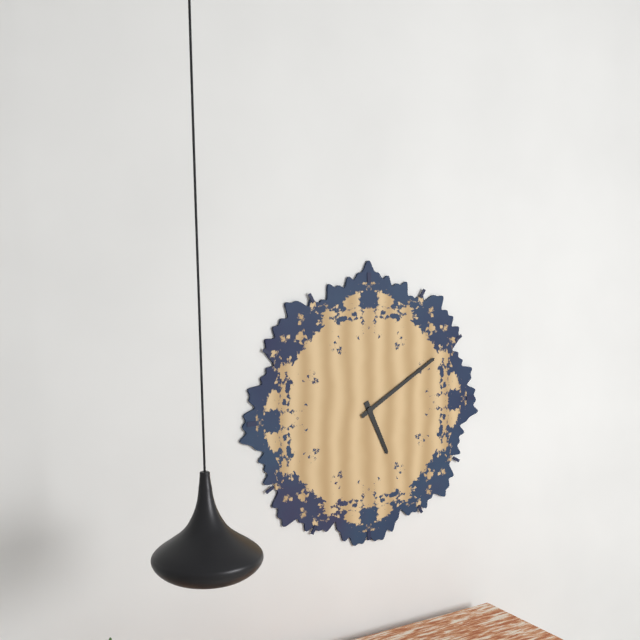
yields 5h10
